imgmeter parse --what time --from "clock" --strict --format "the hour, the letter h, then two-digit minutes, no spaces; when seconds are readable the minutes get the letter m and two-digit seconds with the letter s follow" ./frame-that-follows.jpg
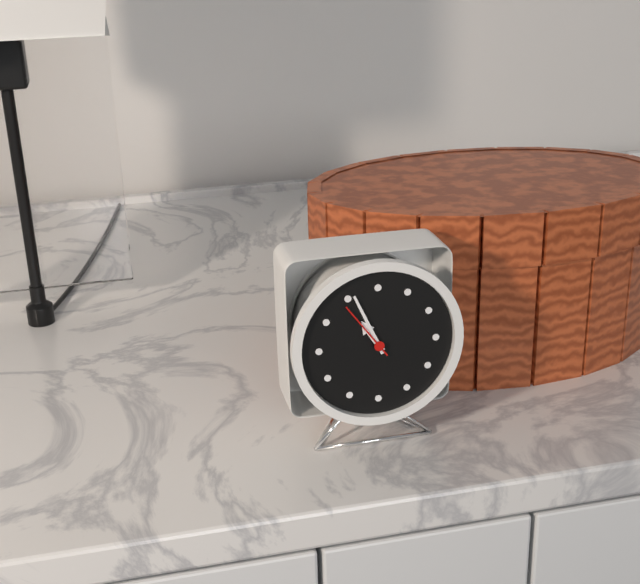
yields 10h56m54s
